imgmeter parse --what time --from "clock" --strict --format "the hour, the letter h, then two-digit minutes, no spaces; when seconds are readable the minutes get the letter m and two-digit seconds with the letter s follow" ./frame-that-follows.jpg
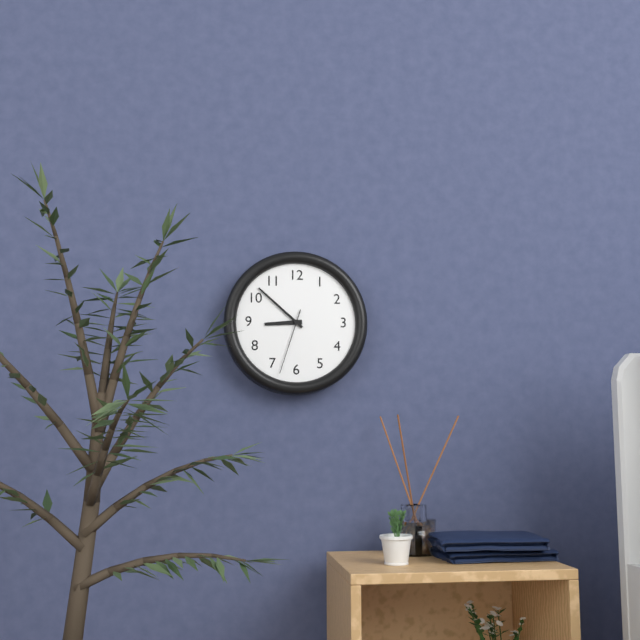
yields 8h52m33s
